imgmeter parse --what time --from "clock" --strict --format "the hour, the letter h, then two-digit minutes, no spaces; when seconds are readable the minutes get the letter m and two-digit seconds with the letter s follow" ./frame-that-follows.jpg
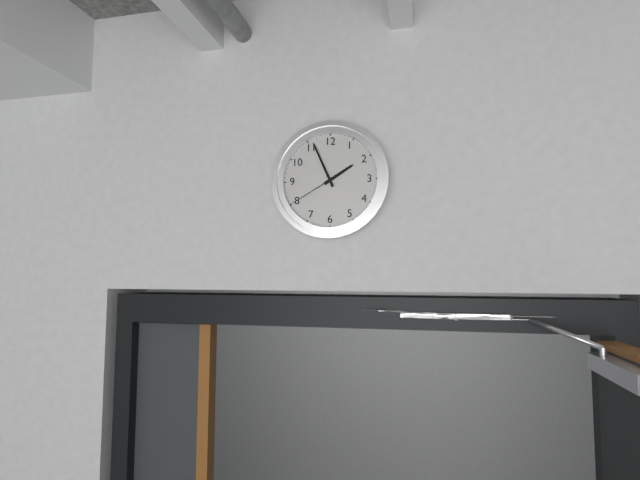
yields 1h56m40s
